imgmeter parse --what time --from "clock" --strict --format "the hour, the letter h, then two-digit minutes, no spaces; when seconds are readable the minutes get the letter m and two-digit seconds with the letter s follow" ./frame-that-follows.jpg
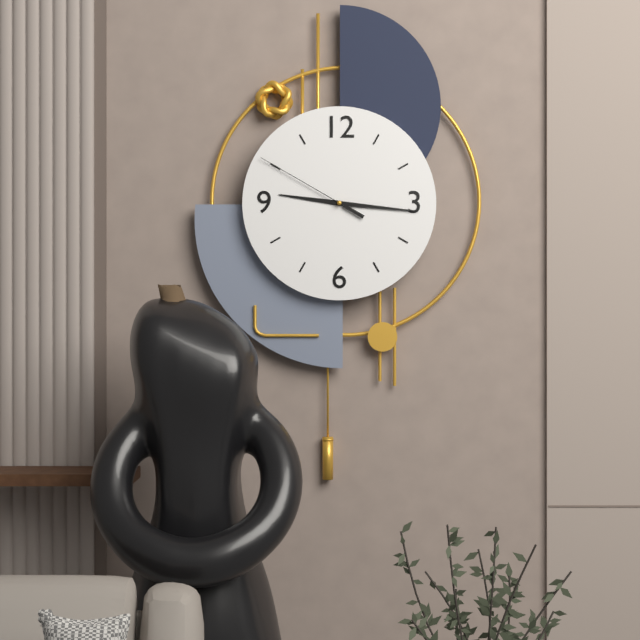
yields 9h16m50s
